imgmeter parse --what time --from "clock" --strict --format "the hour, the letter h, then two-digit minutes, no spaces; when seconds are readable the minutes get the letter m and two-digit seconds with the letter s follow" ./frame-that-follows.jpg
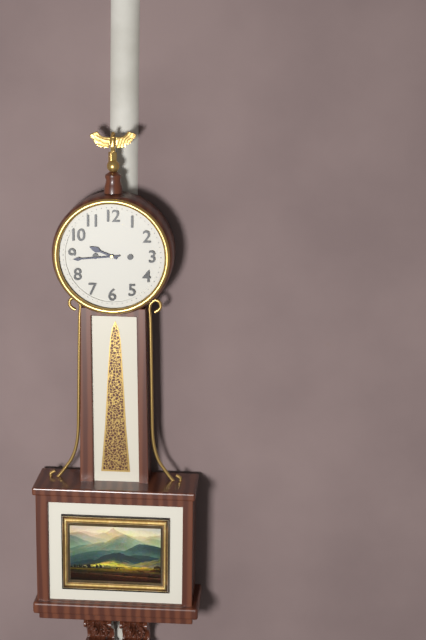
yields 9h44
